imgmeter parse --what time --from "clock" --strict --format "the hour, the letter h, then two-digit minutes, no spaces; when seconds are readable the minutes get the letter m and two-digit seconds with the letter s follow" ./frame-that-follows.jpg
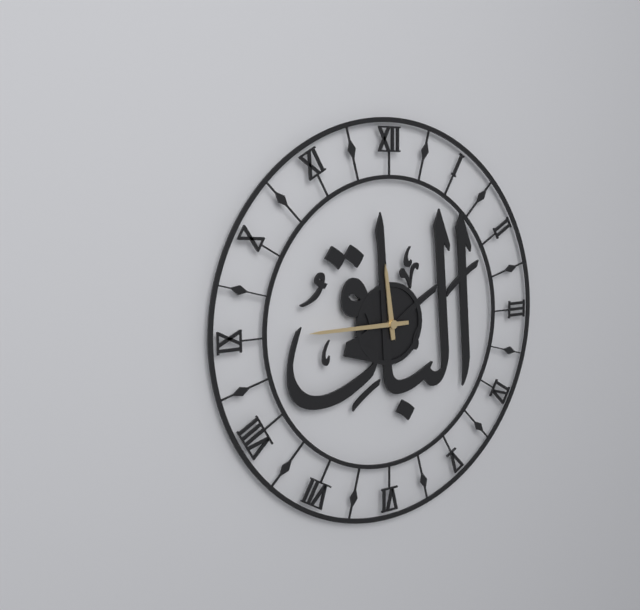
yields 11h45
